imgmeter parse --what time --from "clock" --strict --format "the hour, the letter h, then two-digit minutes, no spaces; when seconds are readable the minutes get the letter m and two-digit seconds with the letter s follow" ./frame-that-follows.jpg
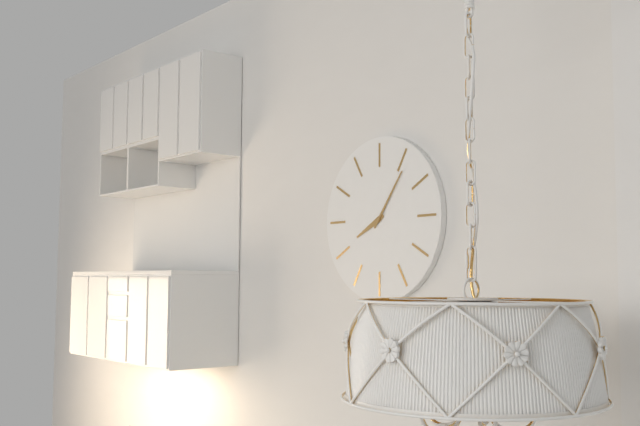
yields 8h06
